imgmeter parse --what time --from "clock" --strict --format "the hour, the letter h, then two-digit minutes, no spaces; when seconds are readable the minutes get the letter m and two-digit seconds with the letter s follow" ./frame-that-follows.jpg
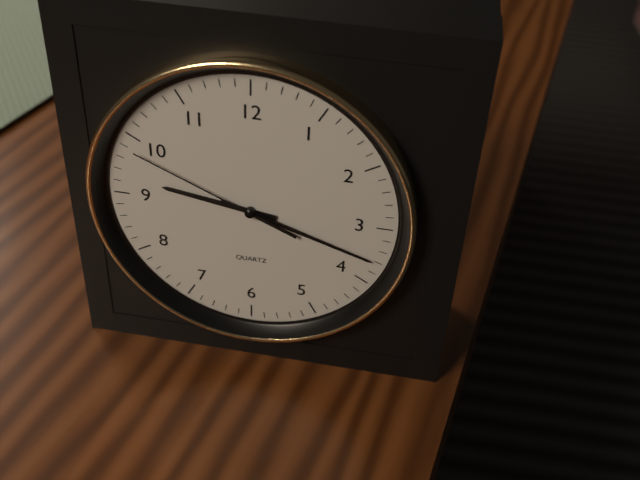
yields 9h18m49s
